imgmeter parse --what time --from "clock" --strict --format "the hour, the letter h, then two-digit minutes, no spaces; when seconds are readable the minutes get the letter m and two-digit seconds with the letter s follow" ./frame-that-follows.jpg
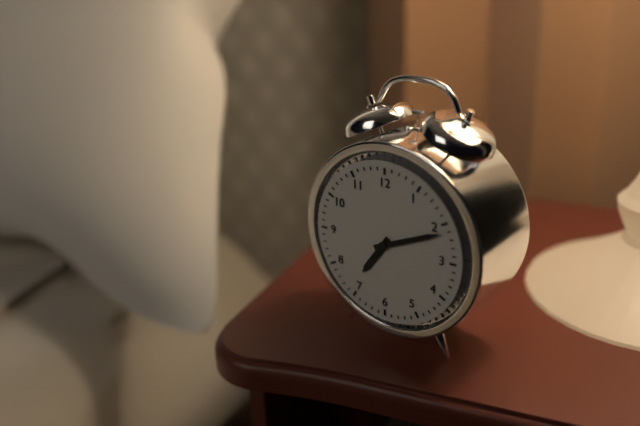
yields 7h11
